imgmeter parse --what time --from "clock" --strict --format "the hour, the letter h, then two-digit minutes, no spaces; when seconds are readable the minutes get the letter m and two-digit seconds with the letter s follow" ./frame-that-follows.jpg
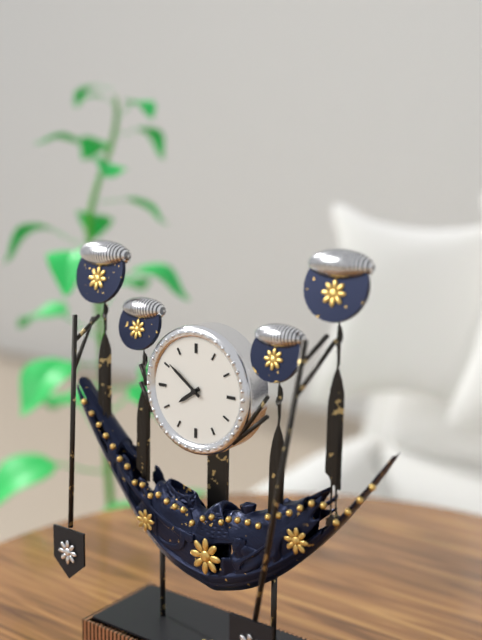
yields 7h51
